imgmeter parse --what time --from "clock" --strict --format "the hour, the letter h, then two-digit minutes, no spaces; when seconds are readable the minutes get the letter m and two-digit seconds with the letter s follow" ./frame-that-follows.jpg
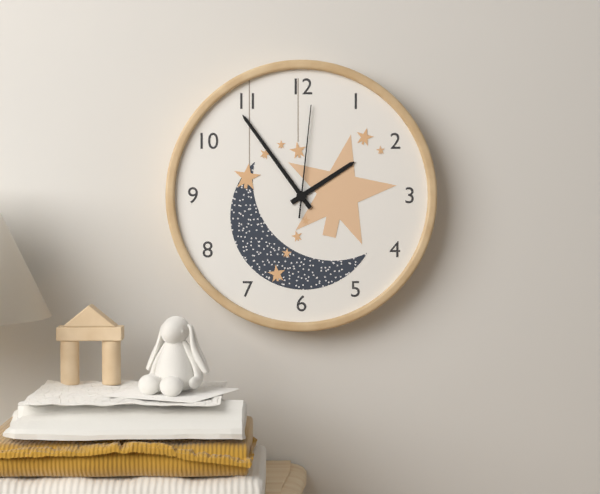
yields 1h54m01s
